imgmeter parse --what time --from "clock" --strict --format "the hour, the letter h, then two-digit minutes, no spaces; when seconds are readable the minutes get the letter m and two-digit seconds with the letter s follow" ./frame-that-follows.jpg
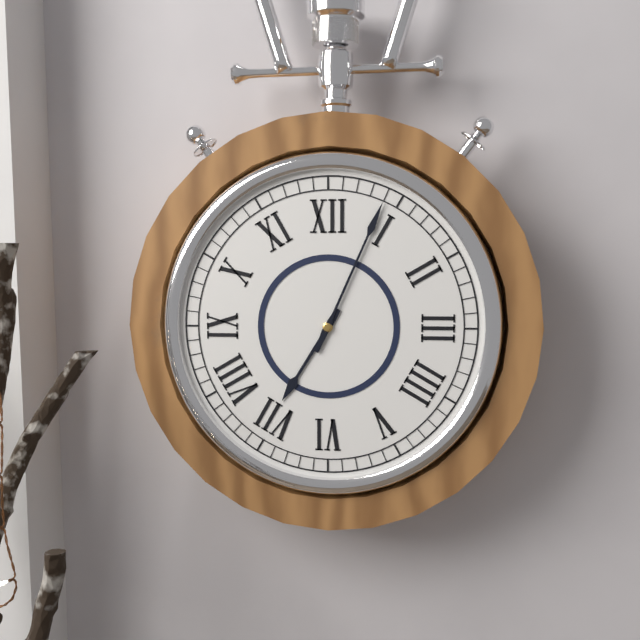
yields 7h04
